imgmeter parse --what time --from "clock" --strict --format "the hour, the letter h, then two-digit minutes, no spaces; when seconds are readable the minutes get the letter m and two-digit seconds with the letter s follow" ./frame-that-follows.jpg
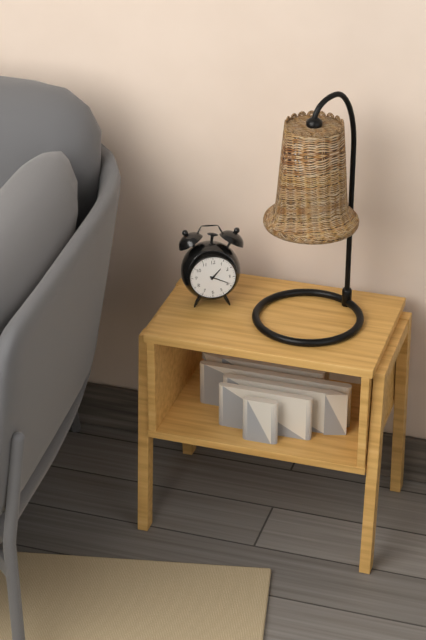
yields 1h19
